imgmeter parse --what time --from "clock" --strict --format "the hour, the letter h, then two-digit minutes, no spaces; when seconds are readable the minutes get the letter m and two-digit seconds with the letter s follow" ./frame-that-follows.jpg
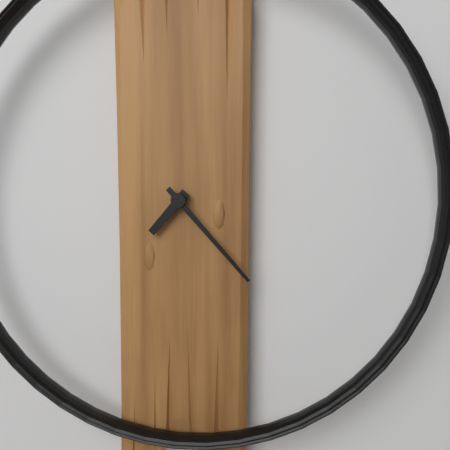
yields 7h23
